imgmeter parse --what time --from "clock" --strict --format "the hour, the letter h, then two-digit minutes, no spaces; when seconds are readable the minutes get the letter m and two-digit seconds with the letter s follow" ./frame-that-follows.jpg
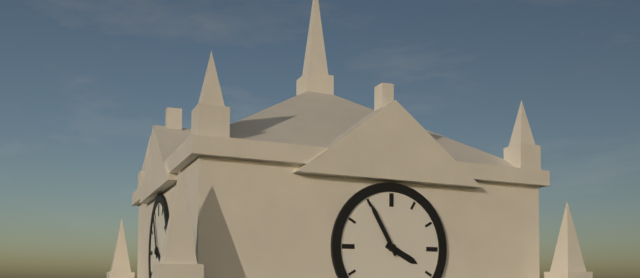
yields 3h55
